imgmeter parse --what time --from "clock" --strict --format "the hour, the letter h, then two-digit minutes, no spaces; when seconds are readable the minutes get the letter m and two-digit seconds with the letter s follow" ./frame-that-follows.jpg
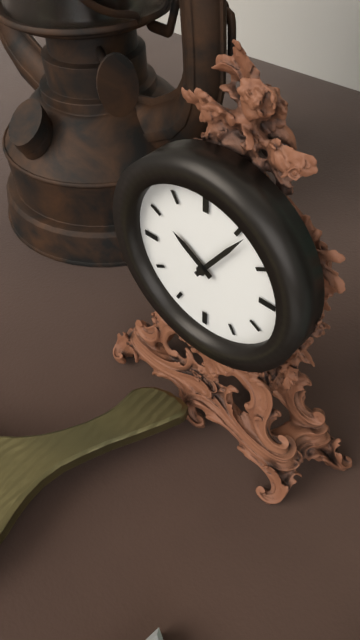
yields 10h06
